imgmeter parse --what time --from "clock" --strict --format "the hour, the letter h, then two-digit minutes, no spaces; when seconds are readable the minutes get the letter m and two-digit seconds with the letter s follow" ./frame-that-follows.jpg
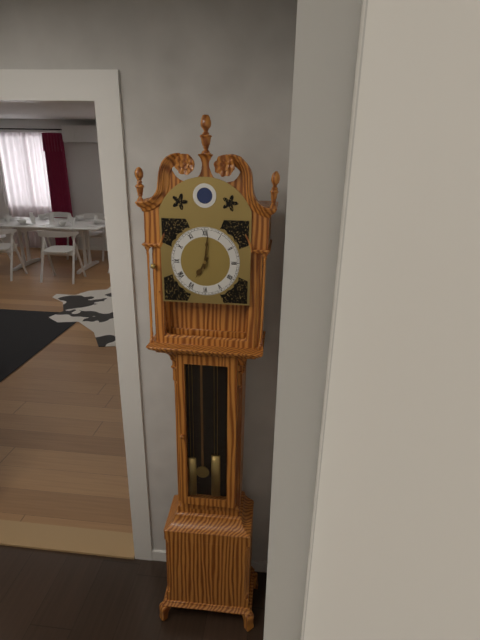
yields 7h01
